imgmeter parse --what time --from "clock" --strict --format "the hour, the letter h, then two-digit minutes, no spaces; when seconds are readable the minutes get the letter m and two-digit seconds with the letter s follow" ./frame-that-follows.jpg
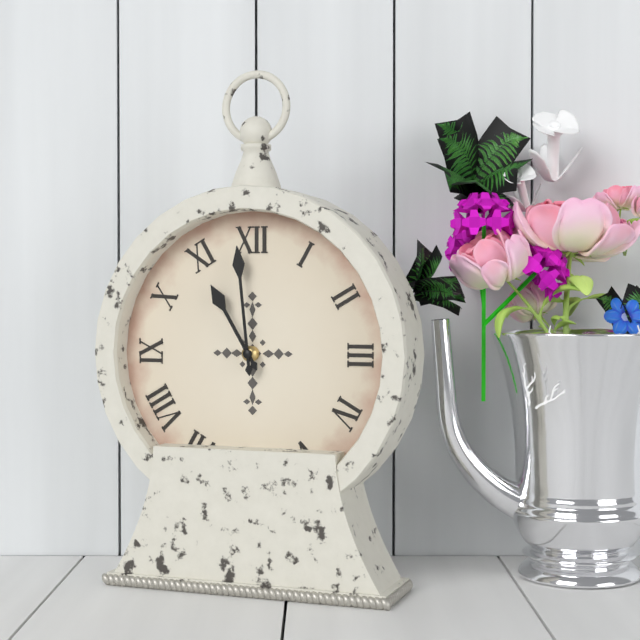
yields 10h59
